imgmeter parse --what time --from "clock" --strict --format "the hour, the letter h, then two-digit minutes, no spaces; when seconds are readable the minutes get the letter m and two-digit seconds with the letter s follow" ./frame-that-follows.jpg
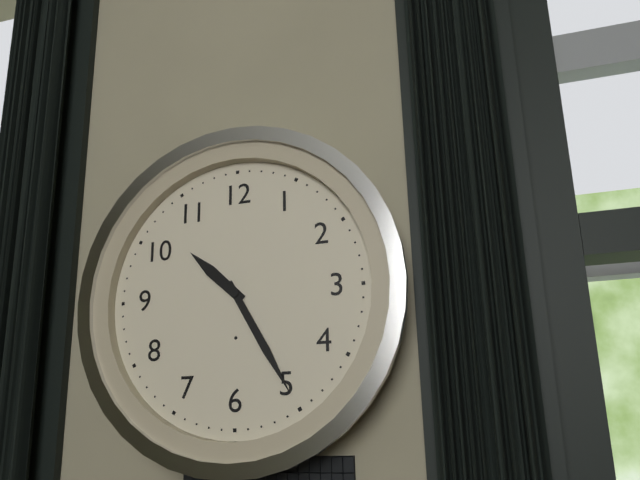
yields 10h25
